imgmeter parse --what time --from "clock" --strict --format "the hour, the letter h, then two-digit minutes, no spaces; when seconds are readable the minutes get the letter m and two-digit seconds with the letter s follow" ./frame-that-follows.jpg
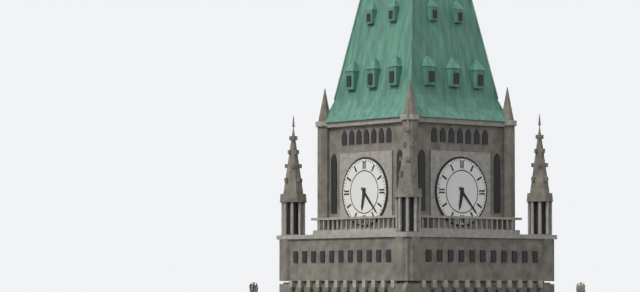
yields 6h23
